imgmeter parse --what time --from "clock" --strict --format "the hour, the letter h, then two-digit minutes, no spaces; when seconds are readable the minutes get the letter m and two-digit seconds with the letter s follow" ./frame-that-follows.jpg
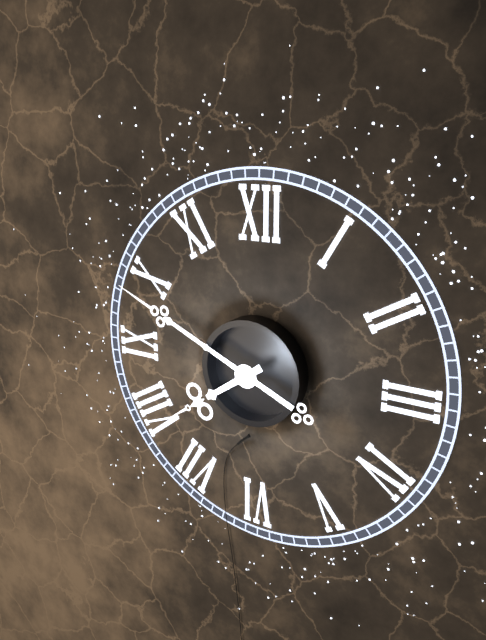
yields 7h49
